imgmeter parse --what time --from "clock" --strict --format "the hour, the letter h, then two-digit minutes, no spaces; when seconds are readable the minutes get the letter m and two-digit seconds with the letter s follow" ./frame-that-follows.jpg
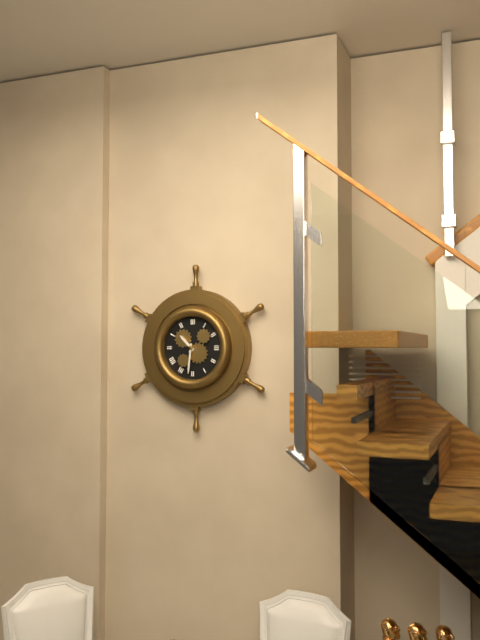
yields 10h31
